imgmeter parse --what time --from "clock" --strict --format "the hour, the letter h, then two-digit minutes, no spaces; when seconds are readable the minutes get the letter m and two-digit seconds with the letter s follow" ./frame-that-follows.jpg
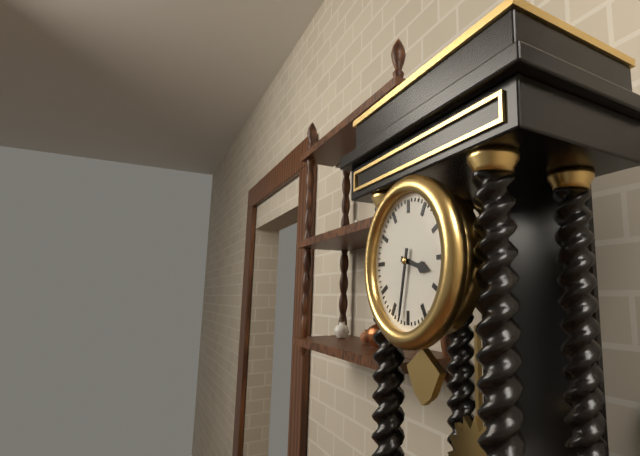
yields 3h32
